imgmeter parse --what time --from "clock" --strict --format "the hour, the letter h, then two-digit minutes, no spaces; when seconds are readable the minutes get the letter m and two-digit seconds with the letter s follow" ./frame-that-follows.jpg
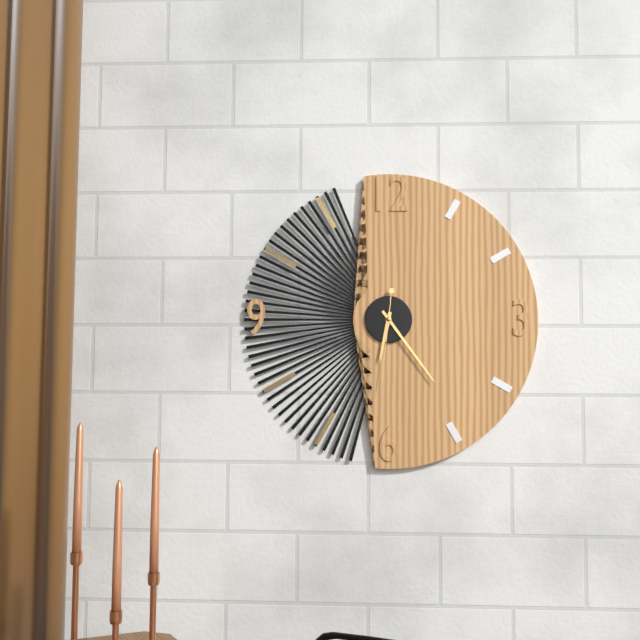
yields 6h24m31s
